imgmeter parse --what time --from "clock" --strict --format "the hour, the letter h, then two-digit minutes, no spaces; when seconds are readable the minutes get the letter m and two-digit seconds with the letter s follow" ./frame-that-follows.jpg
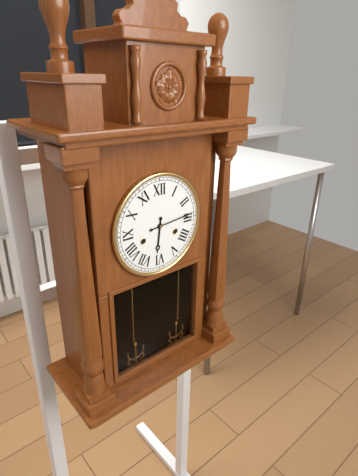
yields 6h14
